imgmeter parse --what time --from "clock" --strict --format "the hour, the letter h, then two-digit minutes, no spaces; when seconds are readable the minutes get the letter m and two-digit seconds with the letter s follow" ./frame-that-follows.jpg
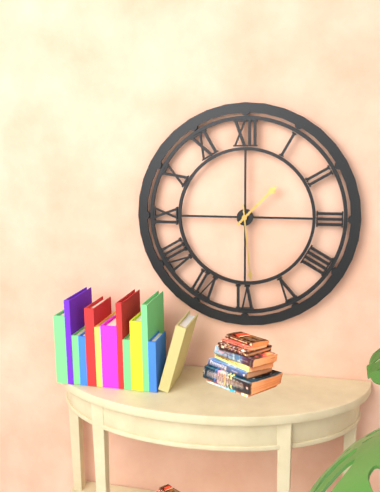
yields 1h29
